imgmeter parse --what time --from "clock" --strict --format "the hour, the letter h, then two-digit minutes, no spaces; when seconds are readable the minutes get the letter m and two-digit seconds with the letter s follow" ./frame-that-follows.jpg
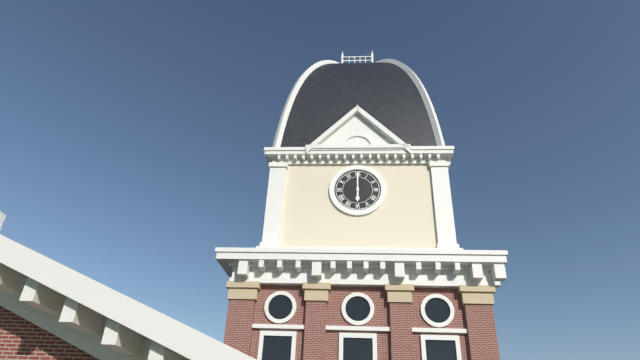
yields 6h00
